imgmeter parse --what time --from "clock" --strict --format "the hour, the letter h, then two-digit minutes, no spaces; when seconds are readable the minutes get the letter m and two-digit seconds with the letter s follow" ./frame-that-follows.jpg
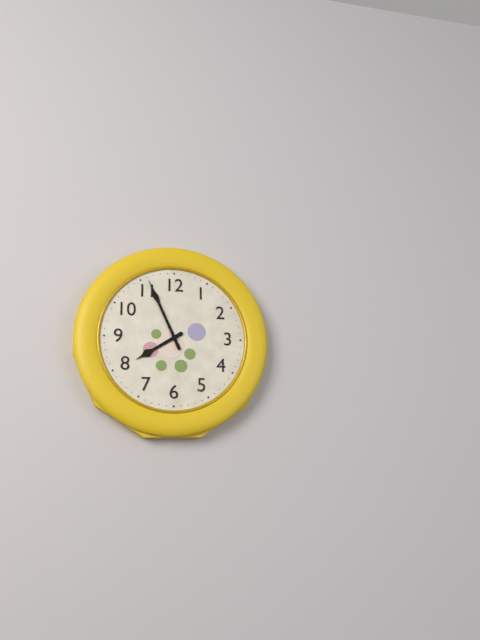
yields 7h56
